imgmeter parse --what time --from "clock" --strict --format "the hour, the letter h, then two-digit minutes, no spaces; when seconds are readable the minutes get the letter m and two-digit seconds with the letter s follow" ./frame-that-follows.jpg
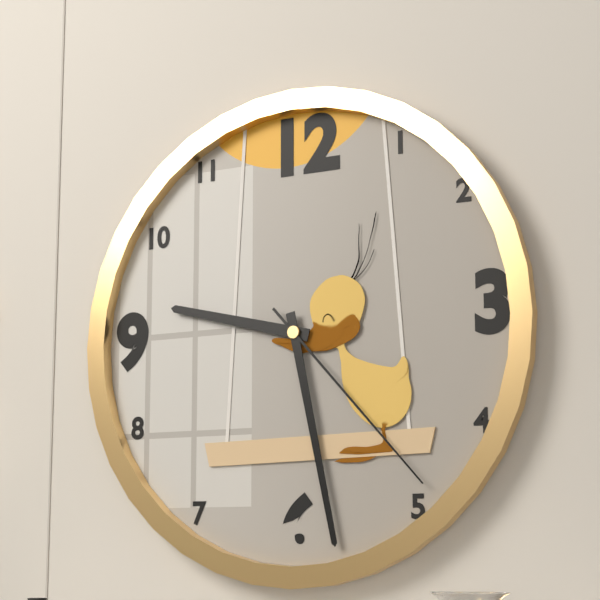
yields 9h28m23s
